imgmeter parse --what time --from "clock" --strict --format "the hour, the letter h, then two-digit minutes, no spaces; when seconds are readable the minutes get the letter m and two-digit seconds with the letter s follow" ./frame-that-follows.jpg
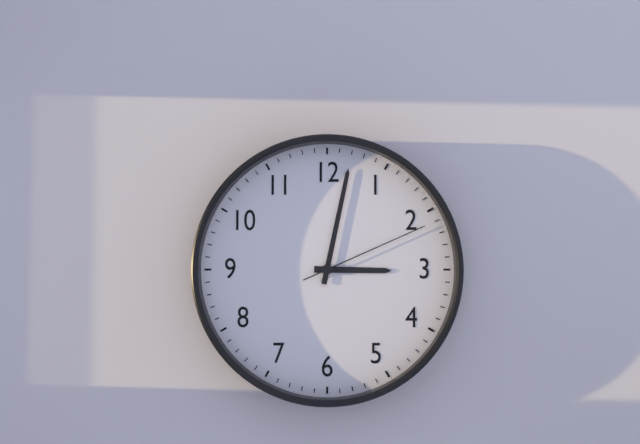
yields 3h02m11s
